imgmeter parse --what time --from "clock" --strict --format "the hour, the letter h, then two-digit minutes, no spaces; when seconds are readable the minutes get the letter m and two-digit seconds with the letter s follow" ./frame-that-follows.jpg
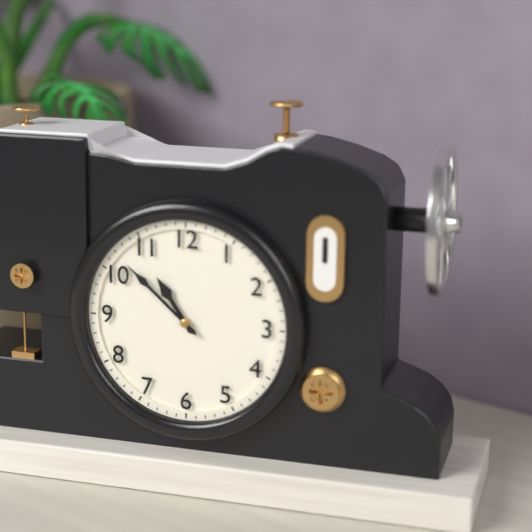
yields 10h52
